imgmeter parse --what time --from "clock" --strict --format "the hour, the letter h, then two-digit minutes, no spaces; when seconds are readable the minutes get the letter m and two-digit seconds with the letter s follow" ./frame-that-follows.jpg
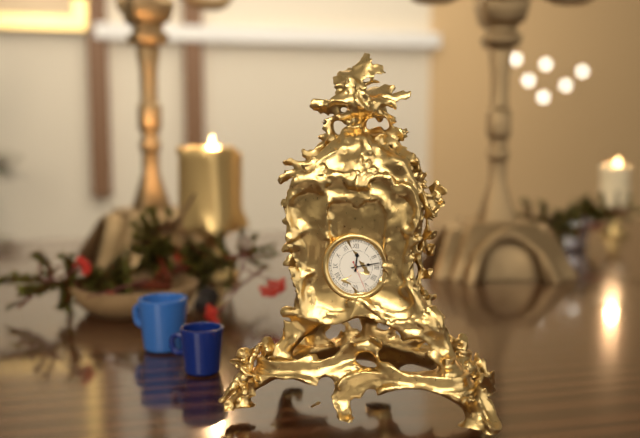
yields 12h13
